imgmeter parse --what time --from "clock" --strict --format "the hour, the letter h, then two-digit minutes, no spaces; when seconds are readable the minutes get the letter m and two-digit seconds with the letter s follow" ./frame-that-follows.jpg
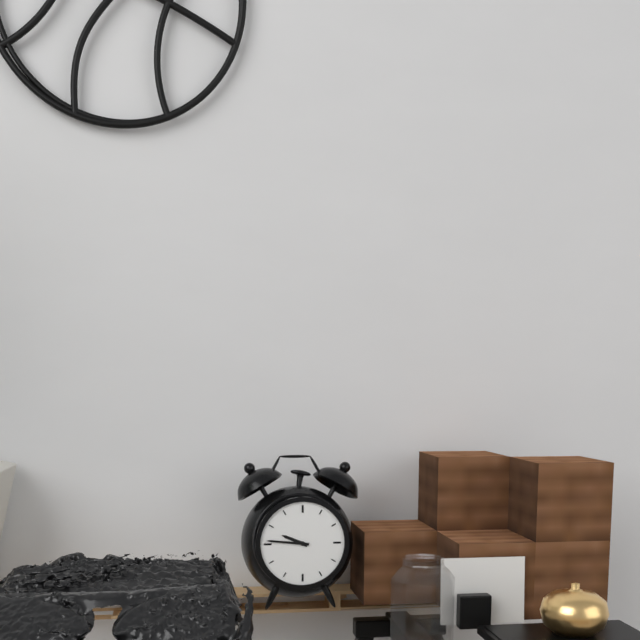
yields 9h46
